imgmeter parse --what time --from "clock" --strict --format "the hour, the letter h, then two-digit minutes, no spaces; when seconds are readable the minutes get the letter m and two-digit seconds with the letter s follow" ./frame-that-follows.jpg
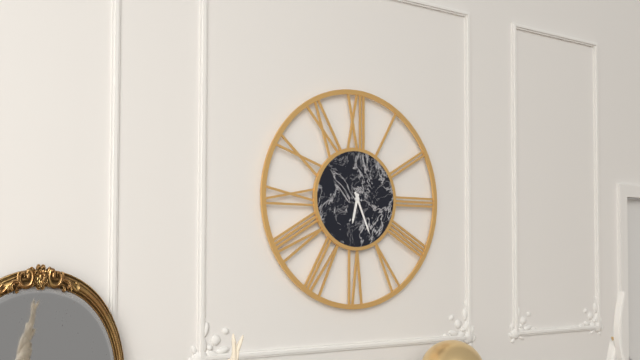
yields 6h26
